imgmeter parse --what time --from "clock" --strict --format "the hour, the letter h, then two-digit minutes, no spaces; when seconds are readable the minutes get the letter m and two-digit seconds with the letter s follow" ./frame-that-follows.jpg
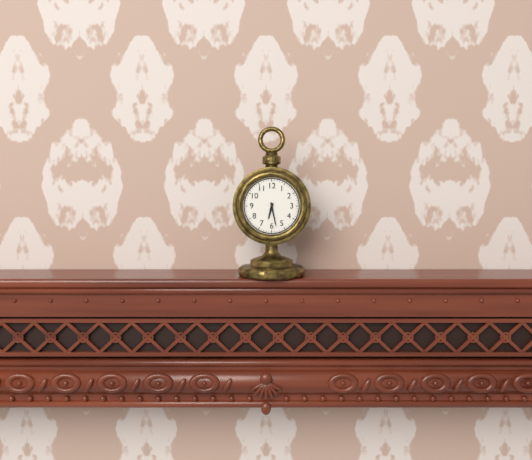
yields 6h28
